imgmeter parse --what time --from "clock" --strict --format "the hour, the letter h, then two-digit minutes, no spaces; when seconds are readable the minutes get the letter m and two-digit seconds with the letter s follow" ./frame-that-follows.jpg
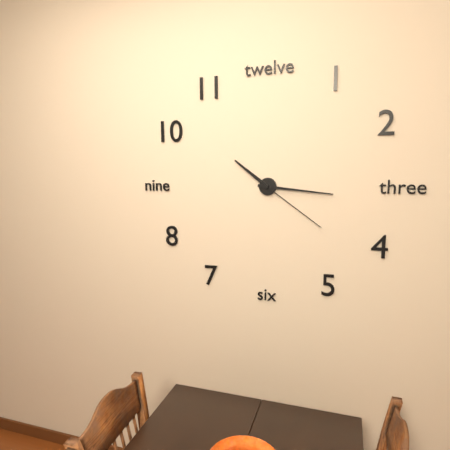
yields 10h16m21s
